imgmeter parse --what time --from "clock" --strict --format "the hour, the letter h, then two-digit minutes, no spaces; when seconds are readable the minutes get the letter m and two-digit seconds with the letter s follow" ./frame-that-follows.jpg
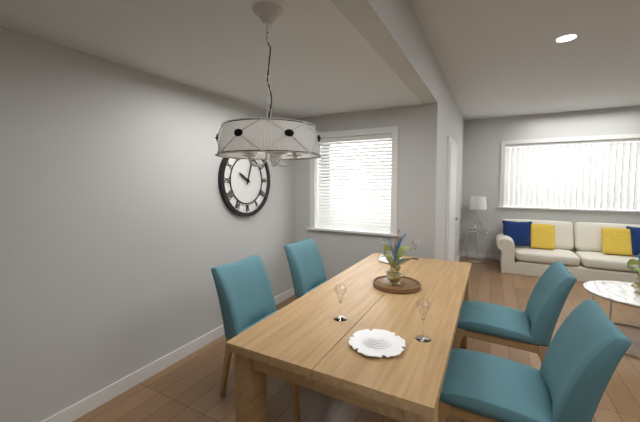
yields 10h03
